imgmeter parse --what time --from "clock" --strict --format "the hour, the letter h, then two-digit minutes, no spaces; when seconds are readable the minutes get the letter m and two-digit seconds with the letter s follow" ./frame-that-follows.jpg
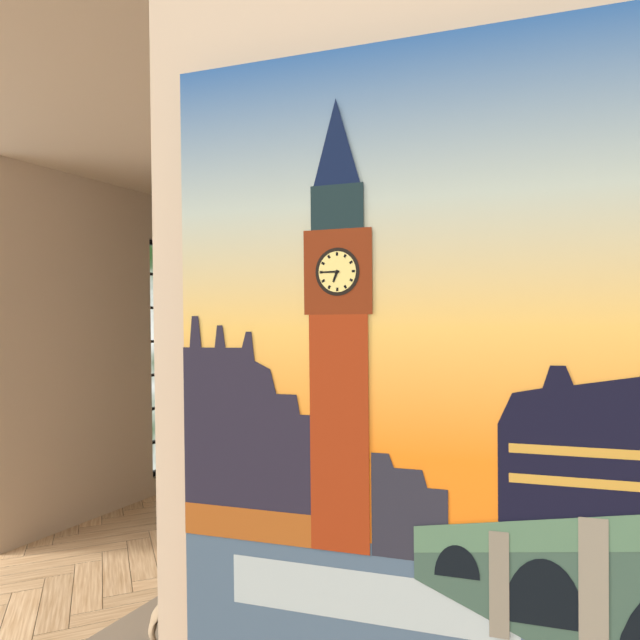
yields 6h45
